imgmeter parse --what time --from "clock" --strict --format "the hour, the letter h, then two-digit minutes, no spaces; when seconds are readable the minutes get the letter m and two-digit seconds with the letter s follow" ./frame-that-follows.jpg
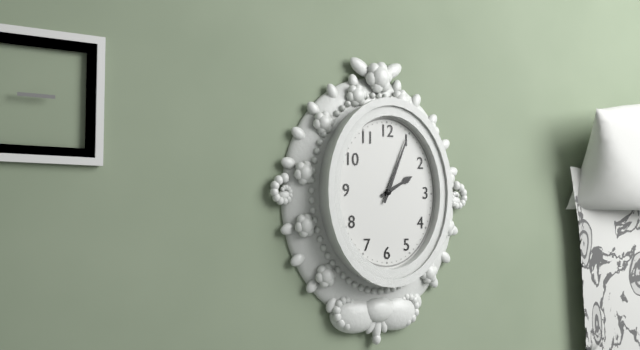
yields 2h04
